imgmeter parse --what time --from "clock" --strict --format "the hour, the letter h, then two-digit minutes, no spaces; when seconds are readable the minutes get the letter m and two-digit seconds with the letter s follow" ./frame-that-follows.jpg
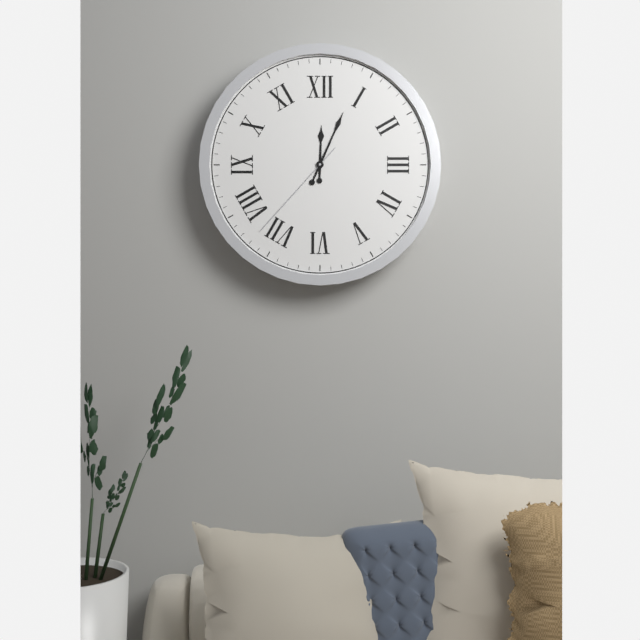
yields 12h04m37s
